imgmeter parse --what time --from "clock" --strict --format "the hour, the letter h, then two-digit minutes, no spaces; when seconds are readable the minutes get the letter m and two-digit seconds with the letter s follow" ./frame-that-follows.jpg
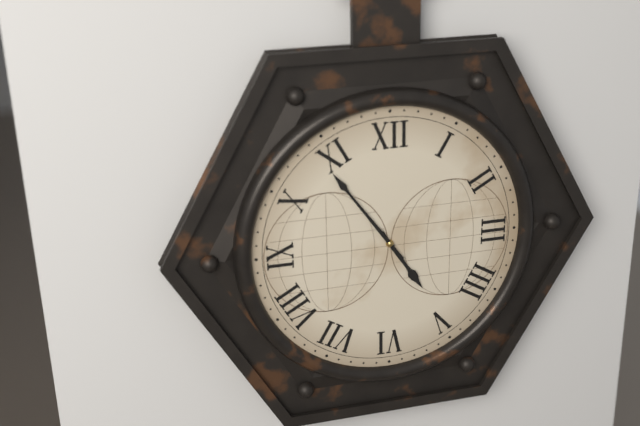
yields 4h54
